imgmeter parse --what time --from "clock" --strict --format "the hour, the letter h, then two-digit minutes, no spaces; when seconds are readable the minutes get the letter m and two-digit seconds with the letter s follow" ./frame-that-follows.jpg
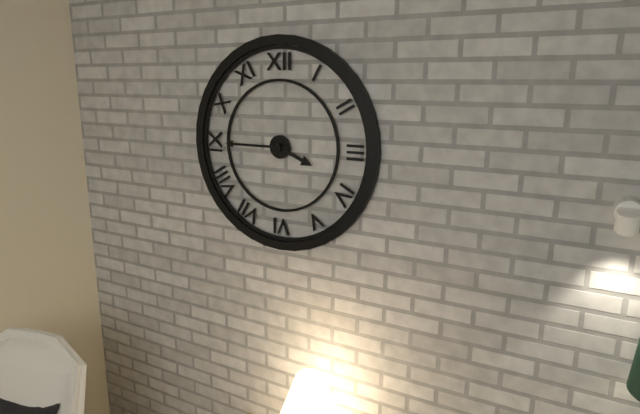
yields 3h45
